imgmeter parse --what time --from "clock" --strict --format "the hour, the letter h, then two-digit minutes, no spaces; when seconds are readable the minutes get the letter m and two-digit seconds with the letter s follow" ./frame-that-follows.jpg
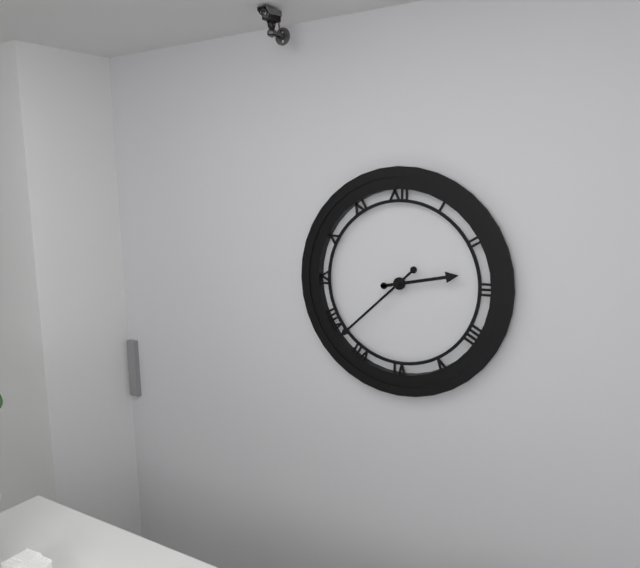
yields 2h38
